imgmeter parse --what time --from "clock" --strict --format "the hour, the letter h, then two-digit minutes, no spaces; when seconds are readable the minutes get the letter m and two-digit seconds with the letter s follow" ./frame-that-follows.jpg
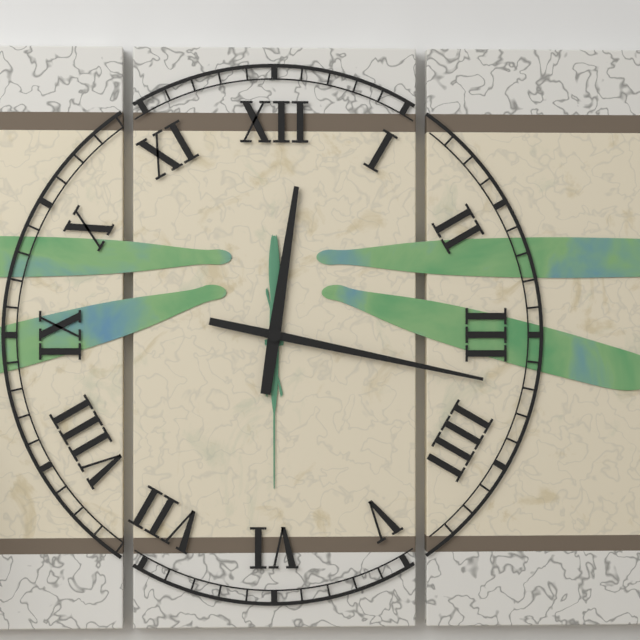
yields 12h17
